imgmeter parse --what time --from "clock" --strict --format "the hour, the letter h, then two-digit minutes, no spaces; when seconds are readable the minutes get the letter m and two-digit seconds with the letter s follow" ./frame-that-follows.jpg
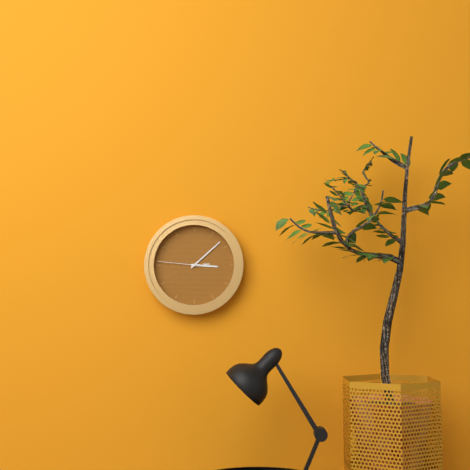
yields 3h08
